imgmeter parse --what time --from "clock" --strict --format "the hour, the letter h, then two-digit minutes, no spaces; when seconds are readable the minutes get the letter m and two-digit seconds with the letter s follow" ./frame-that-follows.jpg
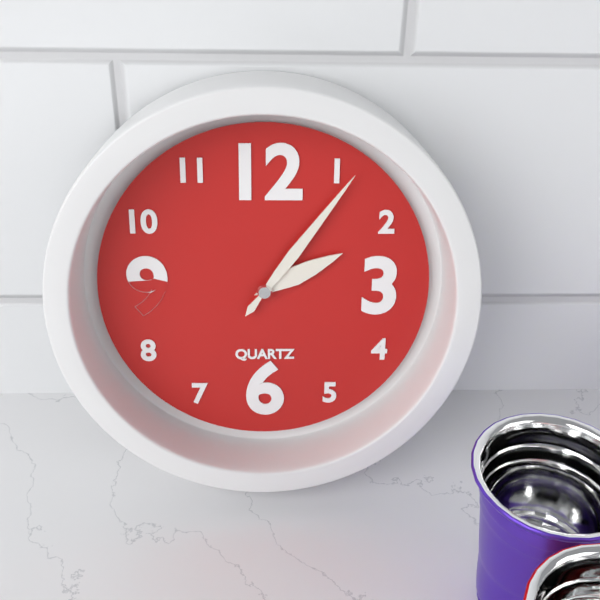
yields 2h06
